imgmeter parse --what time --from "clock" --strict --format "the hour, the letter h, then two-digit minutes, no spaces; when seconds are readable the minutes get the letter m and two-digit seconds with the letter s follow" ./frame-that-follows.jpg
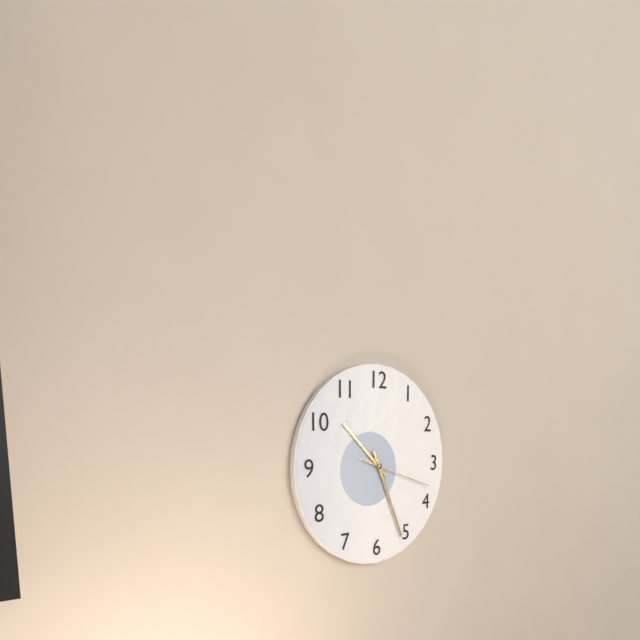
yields 10h26m18s
